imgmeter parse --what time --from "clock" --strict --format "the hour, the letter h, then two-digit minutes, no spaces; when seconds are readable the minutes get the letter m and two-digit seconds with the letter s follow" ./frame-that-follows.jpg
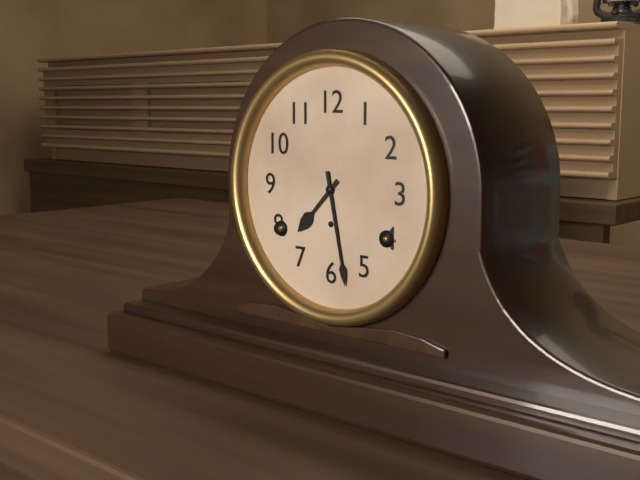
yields 7h28
